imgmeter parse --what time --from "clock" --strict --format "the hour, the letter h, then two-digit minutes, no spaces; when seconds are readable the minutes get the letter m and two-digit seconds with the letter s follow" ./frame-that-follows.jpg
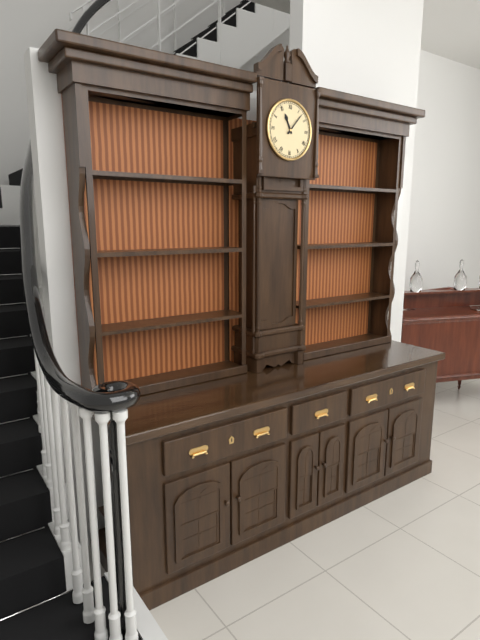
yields 11h07
